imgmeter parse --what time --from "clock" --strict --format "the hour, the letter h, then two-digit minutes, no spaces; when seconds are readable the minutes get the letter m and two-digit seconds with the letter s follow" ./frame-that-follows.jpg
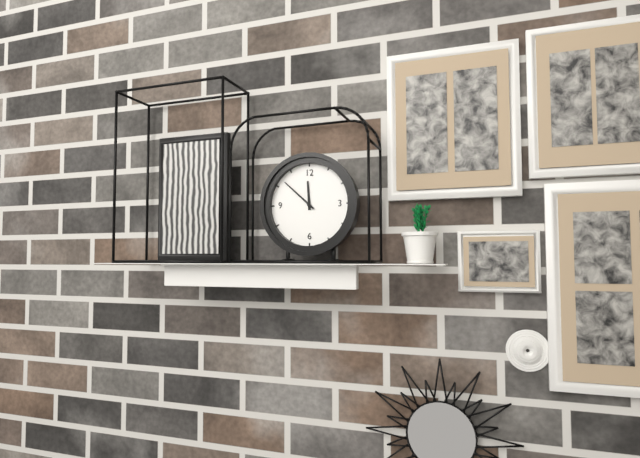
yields 11h52
